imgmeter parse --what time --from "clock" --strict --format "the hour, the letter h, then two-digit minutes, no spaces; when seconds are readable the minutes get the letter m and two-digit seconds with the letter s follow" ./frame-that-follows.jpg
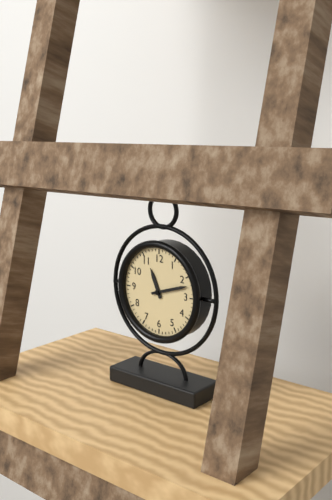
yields 11h12
